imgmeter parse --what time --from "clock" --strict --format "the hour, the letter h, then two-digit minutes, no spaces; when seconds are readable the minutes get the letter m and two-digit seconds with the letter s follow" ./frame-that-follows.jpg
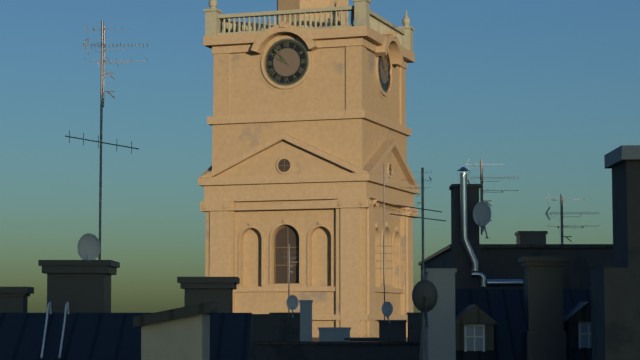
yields 9h53
